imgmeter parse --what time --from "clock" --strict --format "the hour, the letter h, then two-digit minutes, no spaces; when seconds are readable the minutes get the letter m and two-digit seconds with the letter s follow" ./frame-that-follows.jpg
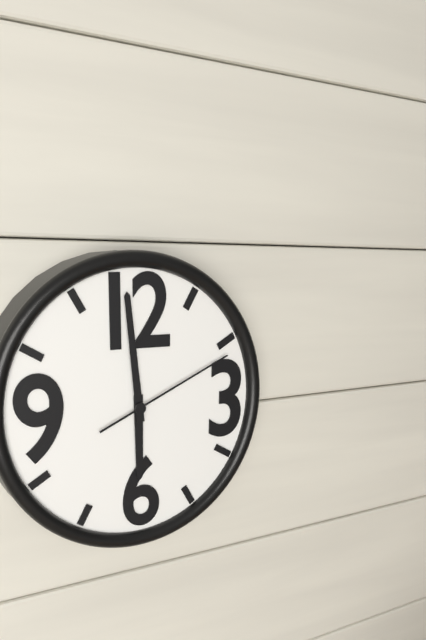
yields 5h59m11s
